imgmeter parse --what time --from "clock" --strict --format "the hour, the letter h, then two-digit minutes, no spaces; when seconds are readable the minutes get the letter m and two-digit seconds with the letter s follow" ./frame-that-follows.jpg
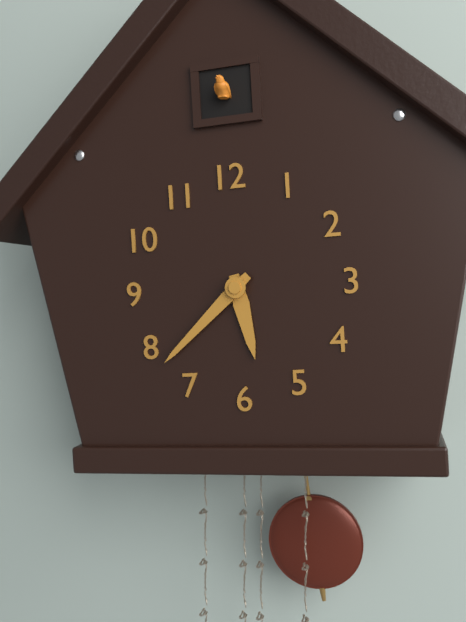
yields 5h38
